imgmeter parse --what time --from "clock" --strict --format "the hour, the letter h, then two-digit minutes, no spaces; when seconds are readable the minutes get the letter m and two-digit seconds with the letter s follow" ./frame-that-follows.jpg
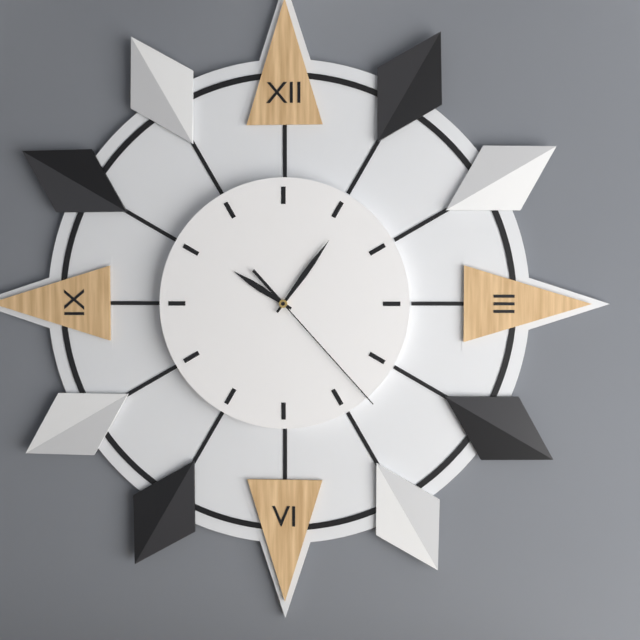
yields 10h06m23s
